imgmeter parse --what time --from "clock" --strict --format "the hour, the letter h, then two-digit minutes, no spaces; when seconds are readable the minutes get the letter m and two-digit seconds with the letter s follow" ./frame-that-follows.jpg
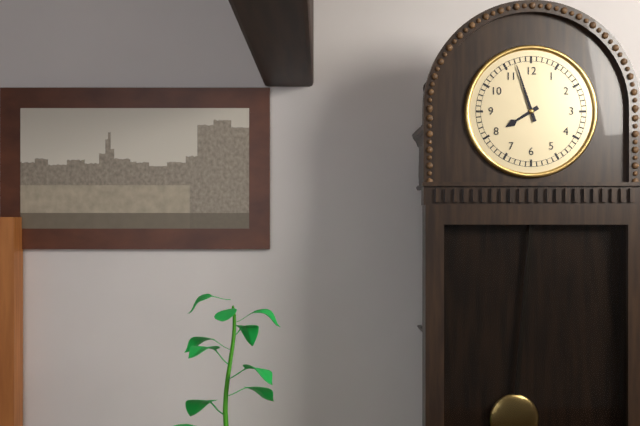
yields 7h57
